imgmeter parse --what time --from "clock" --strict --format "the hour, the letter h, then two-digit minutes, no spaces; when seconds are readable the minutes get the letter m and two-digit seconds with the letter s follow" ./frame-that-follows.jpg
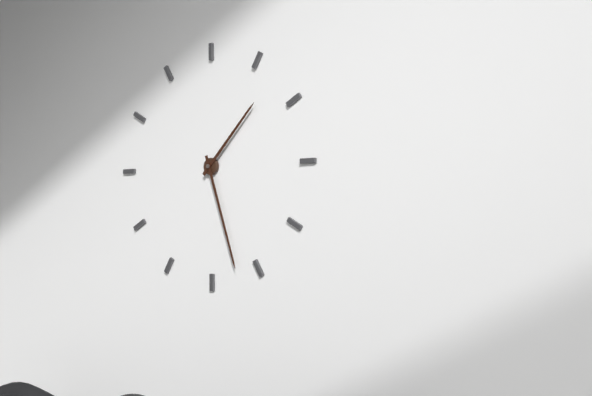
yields 1h27
